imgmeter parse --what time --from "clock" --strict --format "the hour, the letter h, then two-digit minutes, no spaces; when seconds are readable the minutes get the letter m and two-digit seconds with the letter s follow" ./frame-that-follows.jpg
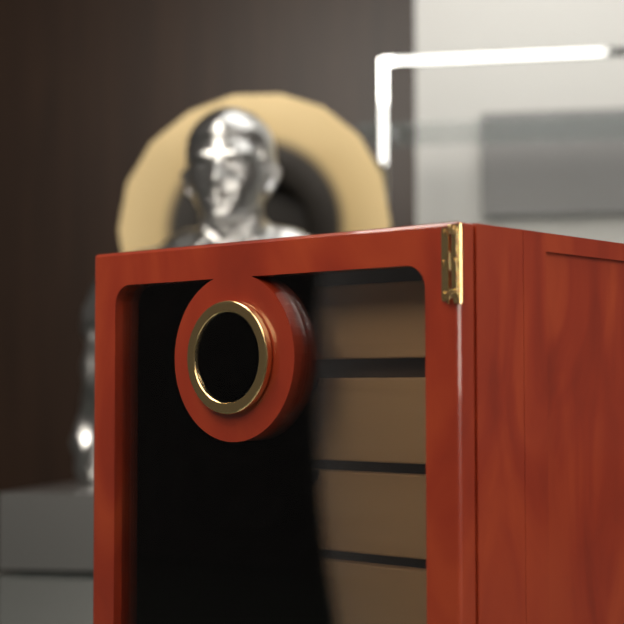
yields 3h57
